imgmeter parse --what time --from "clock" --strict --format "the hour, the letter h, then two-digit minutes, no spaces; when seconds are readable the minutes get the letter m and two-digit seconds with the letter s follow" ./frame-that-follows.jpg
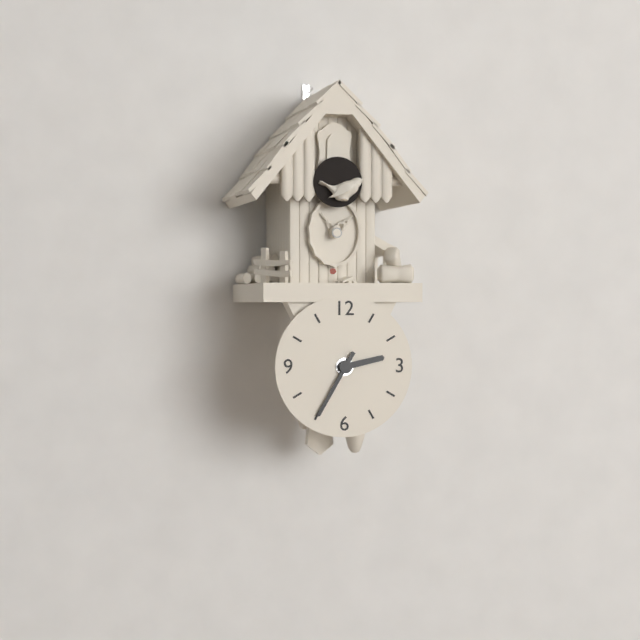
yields 2h35
